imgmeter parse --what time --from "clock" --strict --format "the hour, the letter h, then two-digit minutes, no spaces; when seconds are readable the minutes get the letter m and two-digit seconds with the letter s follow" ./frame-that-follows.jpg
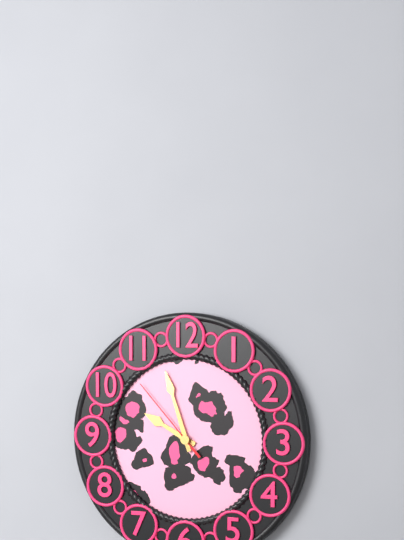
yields 9h57m53s
